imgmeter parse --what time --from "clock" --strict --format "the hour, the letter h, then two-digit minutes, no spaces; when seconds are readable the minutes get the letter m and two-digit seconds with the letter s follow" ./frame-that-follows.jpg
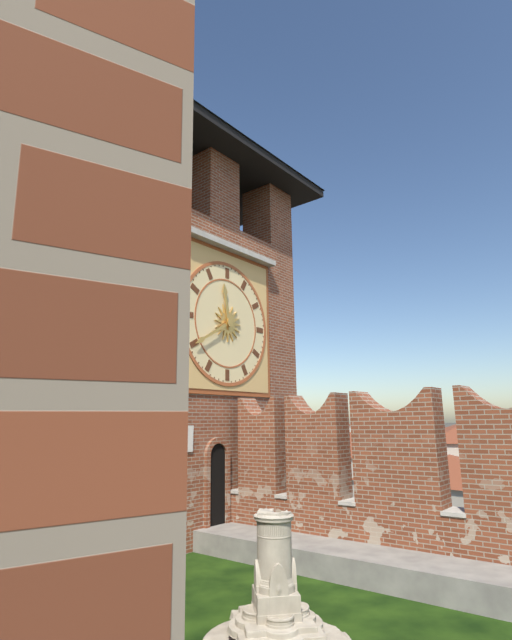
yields 11h40
